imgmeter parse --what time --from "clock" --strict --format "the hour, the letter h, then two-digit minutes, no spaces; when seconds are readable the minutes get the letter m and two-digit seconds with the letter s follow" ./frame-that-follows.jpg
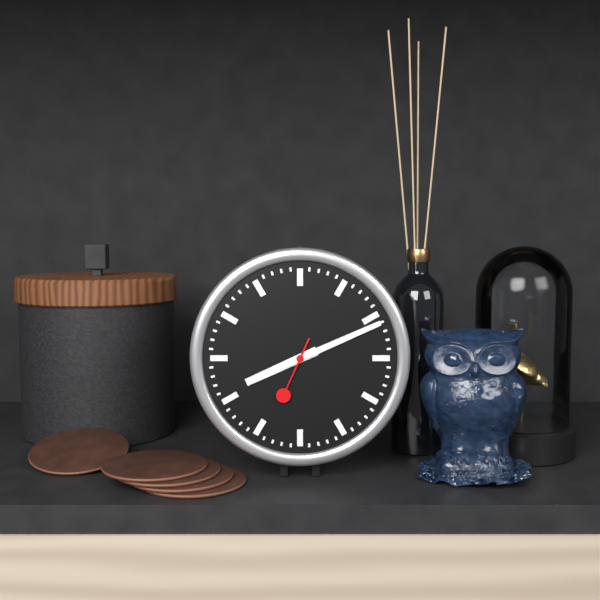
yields 8h11m34s
